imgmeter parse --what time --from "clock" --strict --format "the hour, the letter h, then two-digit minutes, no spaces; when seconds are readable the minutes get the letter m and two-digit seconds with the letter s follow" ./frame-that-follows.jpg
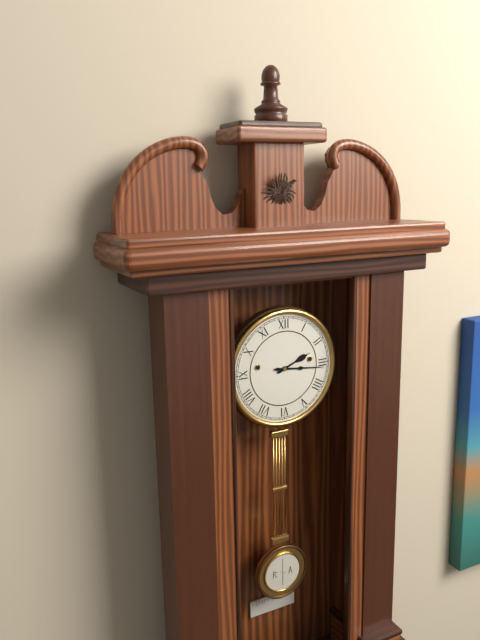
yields 2h16
